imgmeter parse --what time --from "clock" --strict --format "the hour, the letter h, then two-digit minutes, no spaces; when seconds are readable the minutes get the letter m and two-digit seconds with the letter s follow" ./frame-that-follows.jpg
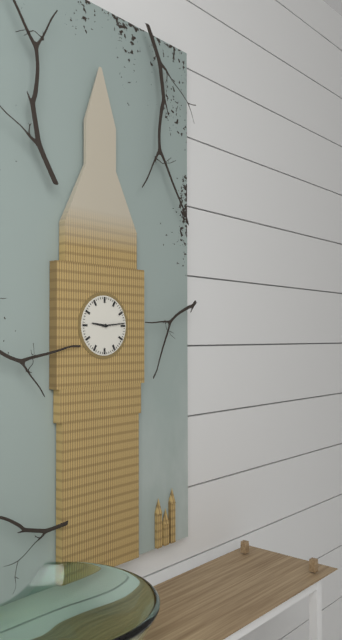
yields 9h14
